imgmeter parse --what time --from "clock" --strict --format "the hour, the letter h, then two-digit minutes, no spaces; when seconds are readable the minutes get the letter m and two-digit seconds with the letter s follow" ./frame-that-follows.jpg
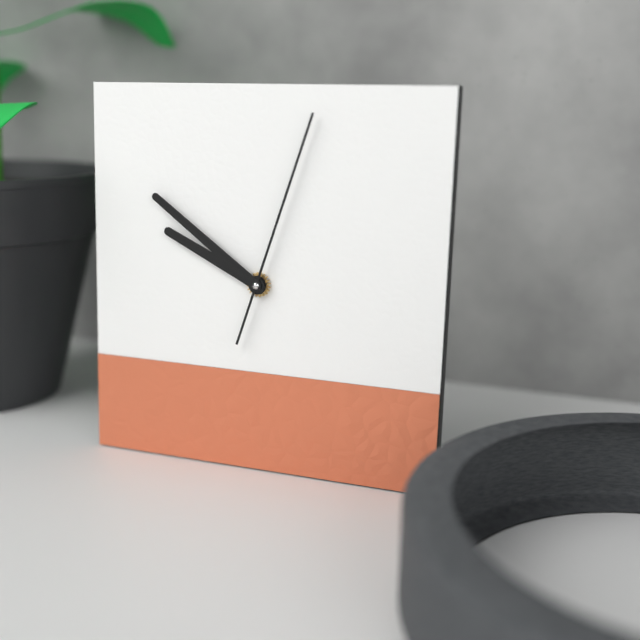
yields 9h51m03s
